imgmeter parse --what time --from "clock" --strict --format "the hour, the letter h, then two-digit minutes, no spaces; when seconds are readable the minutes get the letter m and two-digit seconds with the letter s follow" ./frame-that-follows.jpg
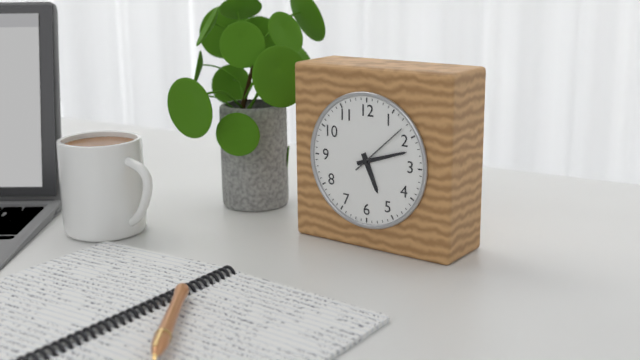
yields 5h12m08s
